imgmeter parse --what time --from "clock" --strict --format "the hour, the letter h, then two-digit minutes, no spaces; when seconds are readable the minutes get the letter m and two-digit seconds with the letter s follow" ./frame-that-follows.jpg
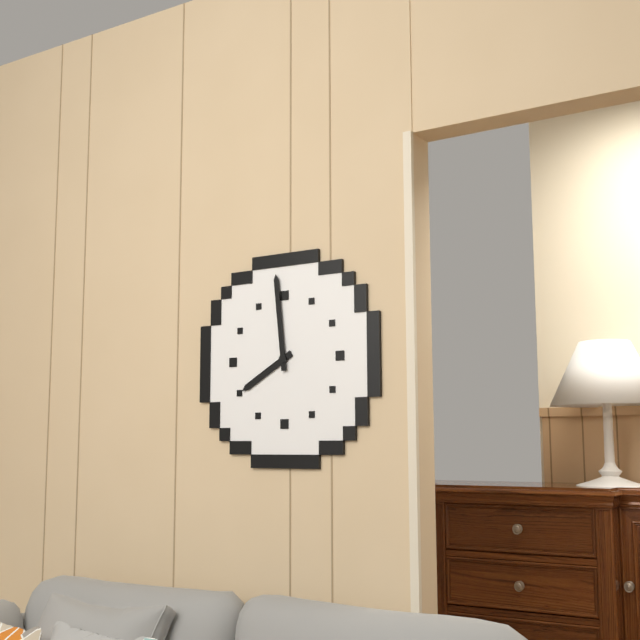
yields 7h59
